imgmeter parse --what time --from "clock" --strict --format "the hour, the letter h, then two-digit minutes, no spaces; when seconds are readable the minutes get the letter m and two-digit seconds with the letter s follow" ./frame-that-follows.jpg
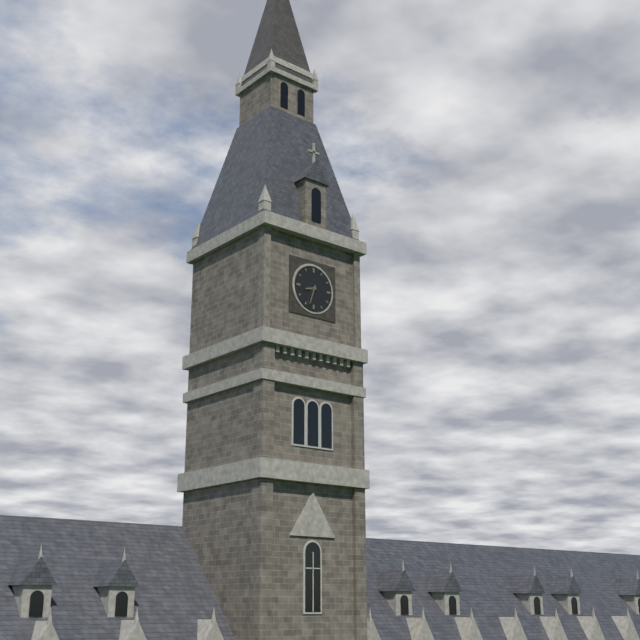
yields 8h33
